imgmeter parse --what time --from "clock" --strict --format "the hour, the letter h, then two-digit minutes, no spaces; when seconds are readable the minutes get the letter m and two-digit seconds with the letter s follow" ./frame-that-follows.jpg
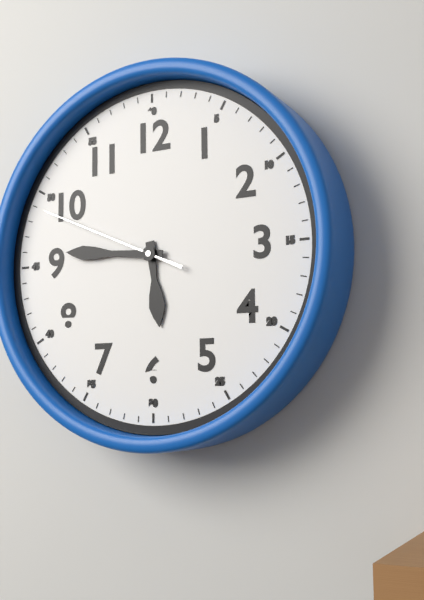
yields 5h46m49s
